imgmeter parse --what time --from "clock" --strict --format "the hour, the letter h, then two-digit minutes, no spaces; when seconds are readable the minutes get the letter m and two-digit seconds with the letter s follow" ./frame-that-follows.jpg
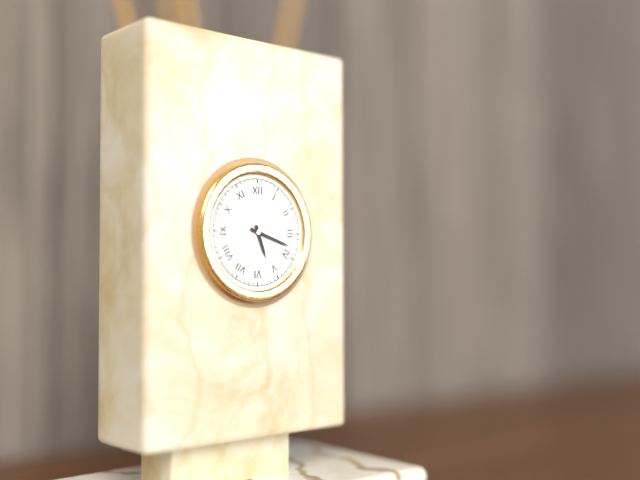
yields 5h18
